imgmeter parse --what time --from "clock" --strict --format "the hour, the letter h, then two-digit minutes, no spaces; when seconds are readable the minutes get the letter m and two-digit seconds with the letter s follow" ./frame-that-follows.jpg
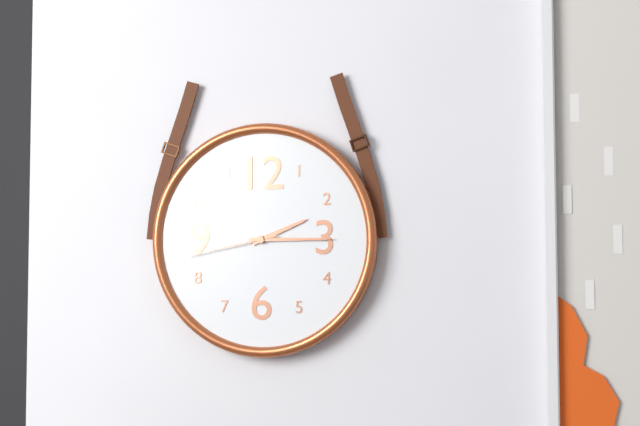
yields 2h15m43s
